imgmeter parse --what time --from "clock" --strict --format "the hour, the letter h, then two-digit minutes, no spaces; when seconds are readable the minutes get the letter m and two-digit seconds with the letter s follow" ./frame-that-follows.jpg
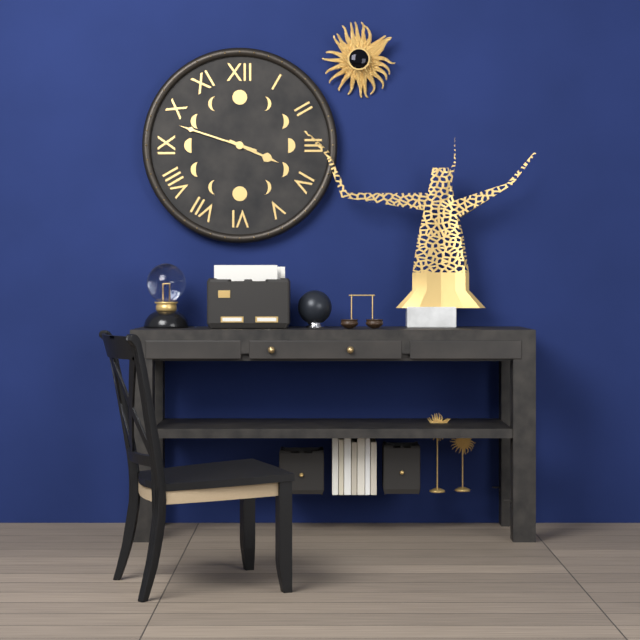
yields 3h48
